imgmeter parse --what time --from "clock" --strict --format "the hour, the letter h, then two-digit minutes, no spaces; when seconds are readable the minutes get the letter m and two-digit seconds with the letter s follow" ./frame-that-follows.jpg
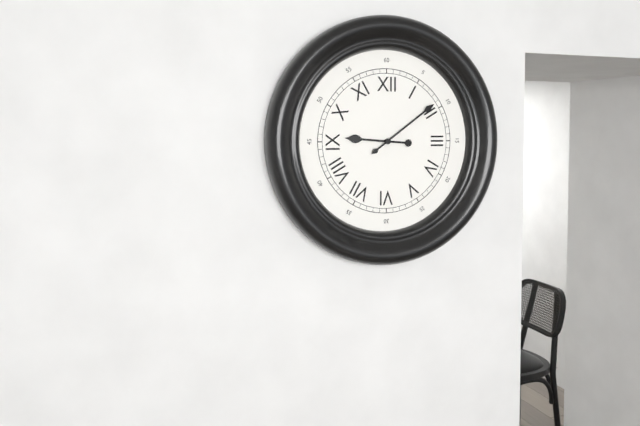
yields 9h09
